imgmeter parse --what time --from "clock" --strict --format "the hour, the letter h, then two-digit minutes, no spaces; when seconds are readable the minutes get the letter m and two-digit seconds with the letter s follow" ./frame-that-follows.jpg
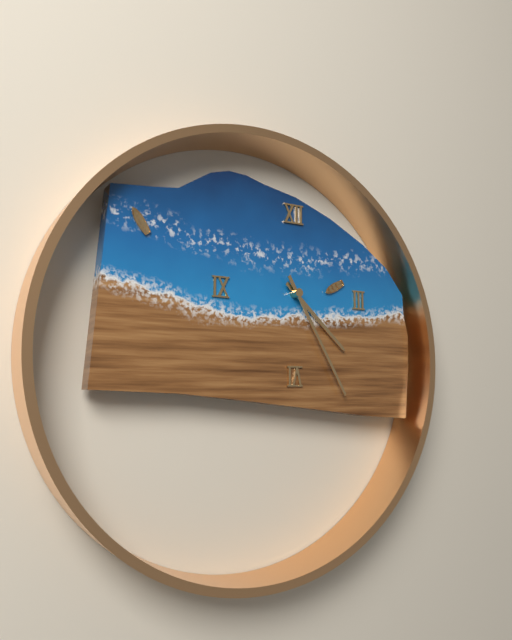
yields 4h25
